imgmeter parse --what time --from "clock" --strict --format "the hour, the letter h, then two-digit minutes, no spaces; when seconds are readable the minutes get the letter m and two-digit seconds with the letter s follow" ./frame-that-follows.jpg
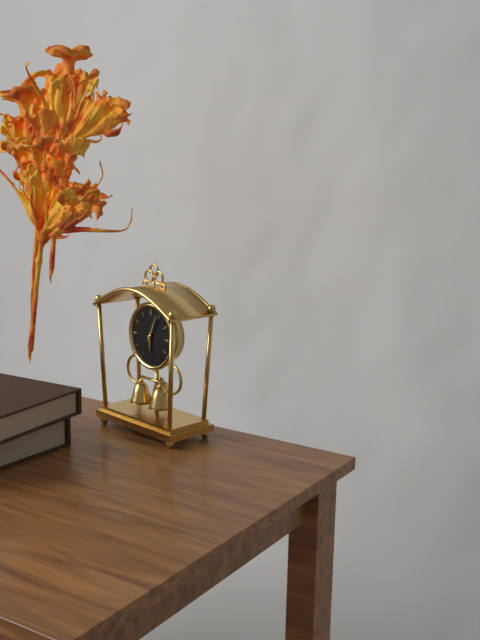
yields 6h04
